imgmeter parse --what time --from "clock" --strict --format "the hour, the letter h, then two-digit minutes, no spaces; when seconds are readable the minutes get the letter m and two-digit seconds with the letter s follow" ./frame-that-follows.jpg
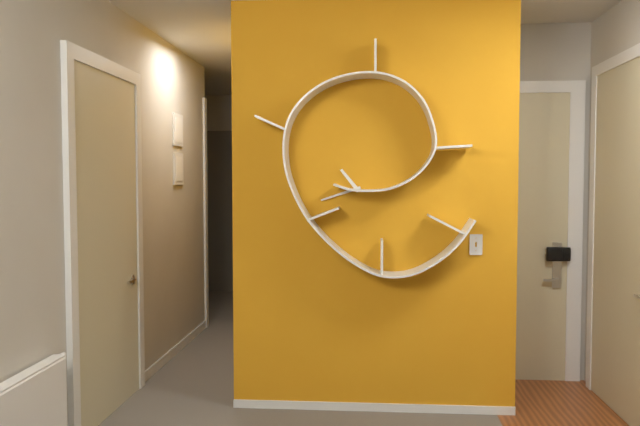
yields 10h42
